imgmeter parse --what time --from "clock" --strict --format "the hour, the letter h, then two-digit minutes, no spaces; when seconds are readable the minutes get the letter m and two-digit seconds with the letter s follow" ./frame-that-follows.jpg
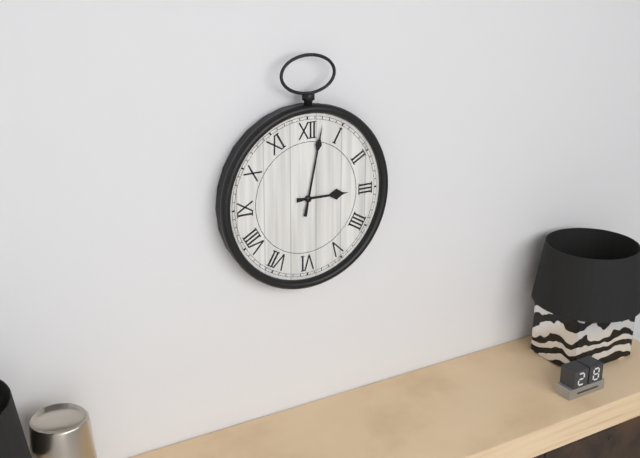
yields 3h02
